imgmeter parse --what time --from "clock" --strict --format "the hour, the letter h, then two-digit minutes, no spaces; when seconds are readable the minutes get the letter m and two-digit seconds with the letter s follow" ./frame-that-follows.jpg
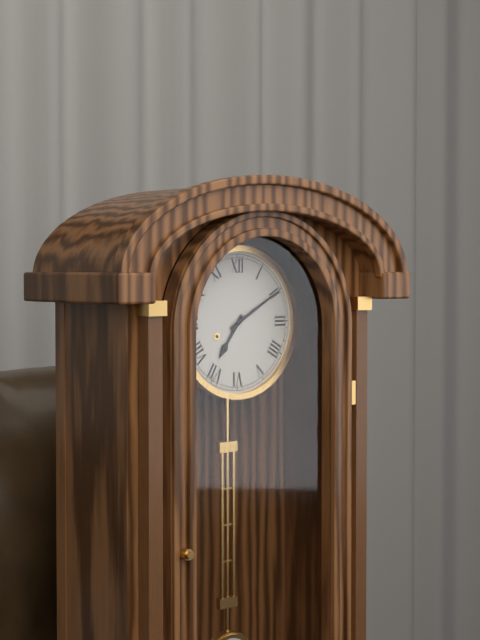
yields 7h10
